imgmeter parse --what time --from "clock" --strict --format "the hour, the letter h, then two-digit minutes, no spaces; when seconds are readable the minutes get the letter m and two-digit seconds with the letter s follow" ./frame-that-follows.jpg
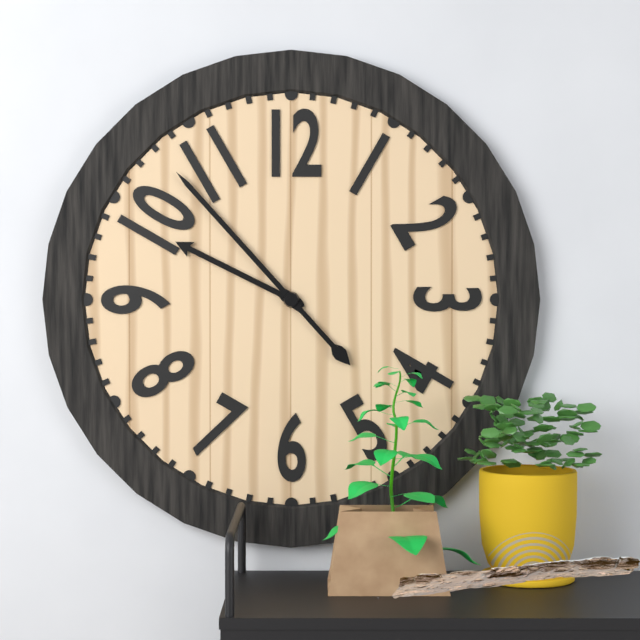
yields 9h53
